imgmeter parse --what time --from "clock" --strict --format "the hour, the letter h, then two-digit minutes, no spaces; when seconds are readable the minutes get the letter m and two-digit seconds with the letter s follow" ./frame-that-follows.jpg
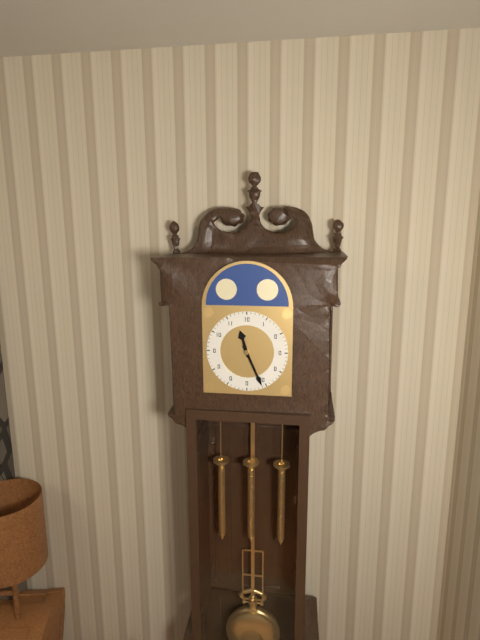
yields 11h26
